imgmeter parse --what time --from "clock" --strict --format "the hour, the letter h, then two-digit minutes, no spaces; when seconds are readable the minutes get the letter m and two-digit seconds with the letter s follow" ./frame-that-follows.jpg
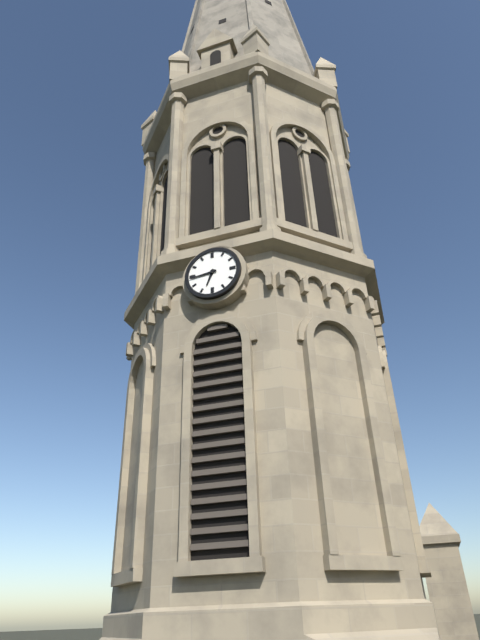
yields 6h44
